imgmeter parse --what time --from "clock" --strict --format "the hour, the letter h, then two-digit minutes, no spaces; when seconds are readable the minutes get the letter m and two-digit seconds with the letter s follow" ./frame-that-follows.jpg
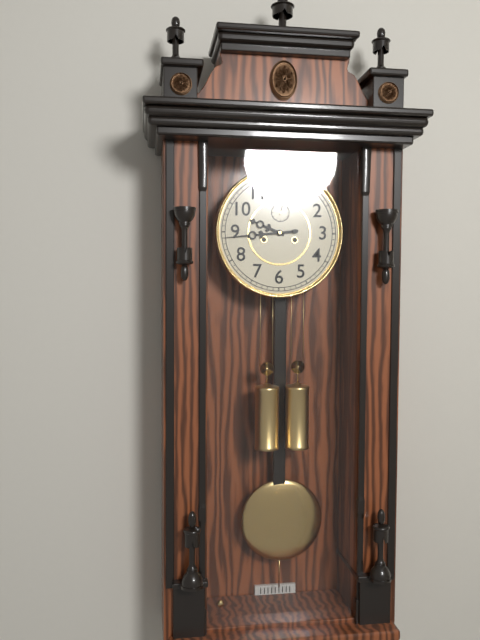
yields 9h44
